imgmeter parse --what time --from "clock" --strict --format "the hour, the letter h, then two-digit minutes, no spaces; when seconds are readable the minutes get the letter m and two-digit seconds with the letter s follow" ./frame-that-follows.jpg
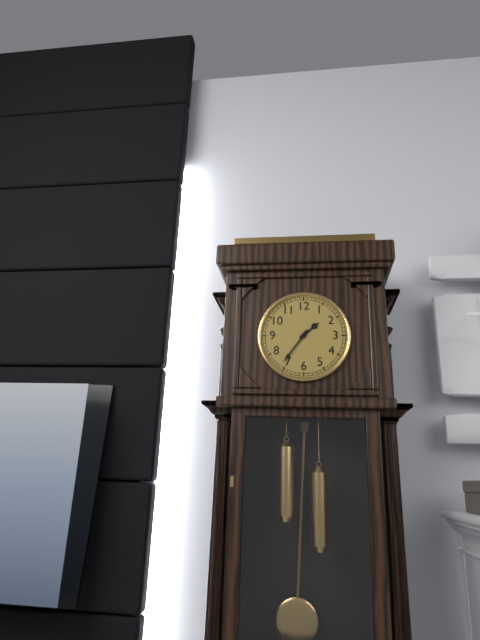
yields 1h36
